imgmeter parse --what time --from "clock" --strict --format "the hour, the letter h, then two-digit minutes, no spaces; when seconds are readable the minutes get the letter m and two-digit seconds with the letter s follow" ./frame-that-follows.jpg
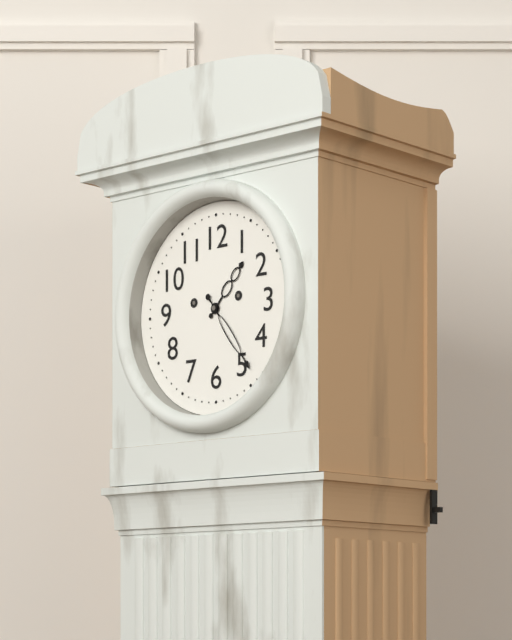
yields 1h24
